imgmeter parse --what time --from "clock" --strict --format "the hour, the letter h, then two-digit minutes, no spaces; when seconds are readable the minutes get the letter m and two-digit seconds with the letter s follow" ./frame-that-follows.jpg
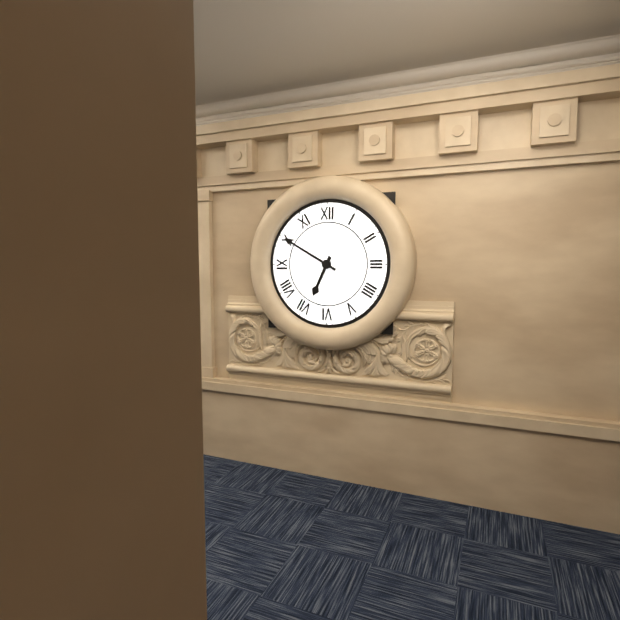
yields 6h50
